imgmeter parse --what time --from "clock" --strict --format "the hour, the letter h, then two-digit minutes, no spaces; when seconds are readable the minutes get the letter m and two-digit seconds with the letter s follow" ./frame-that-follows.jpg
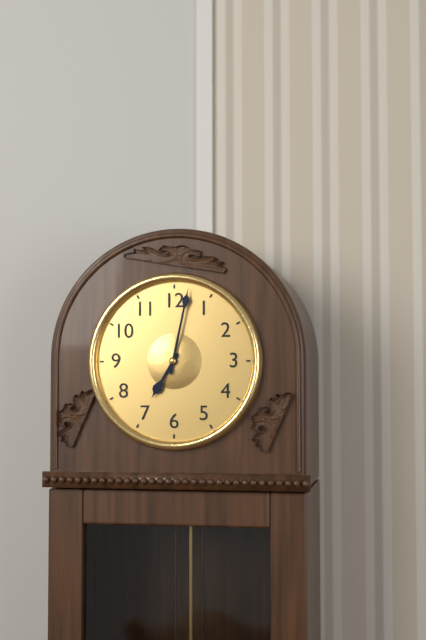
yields 7h02
